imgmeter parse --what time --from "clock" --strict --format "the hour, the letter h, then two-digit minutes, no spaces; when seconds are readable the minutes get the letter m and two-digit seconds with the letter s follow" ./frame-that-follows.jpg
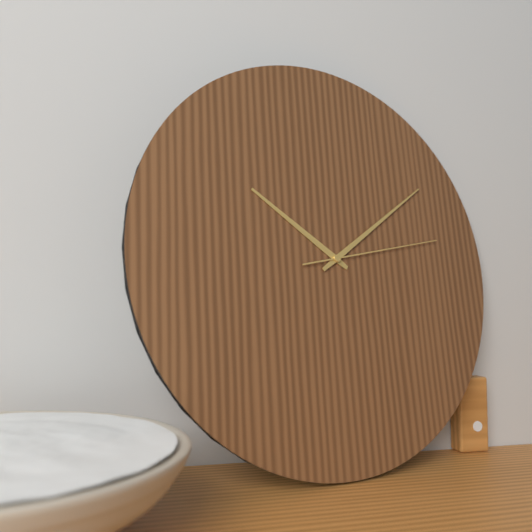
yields 10h09m13s
